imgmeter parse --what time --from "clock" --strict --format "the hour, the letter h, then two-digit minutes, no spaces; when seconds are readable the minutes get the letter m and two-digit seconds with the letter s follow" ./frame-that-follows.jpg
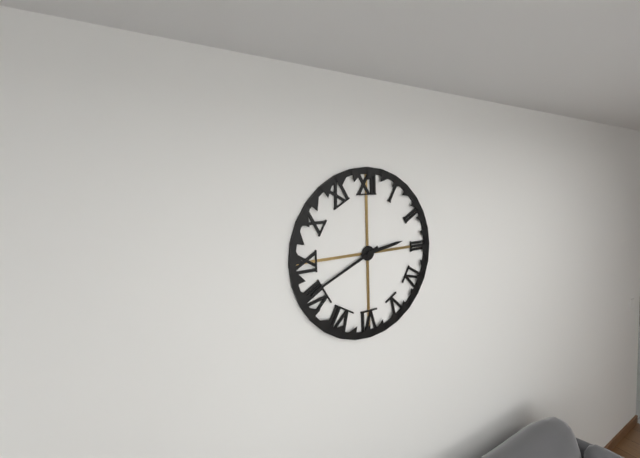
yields 2h41
